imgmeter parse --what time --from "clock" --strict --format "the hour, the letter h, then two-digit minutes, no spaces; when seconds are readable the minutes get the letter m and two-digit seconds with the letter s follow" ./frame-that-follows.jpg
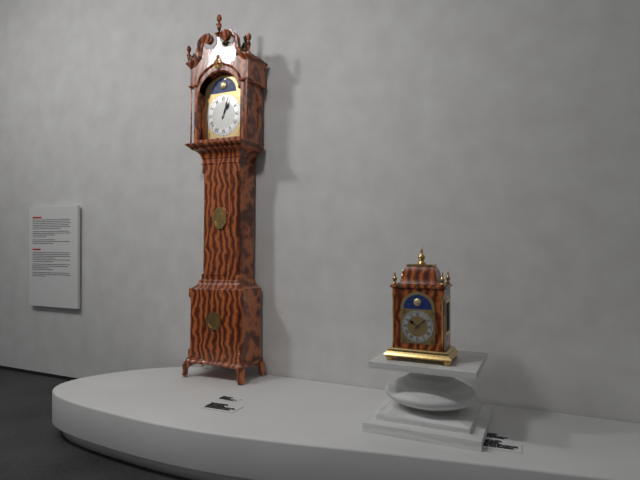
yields 1h03
